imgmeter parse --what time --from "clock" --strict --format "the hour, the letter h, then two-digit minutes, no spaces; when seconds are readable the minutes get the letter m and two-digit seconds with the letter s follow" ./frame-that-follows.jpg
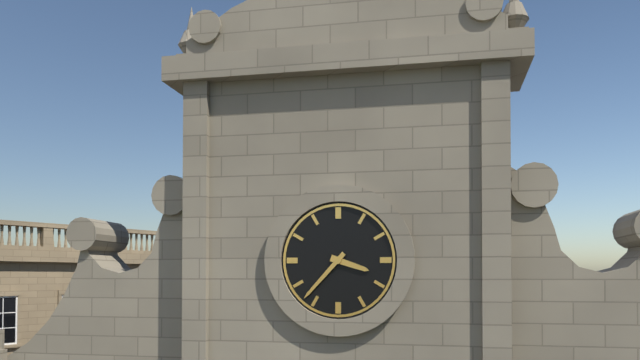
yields 3h37
